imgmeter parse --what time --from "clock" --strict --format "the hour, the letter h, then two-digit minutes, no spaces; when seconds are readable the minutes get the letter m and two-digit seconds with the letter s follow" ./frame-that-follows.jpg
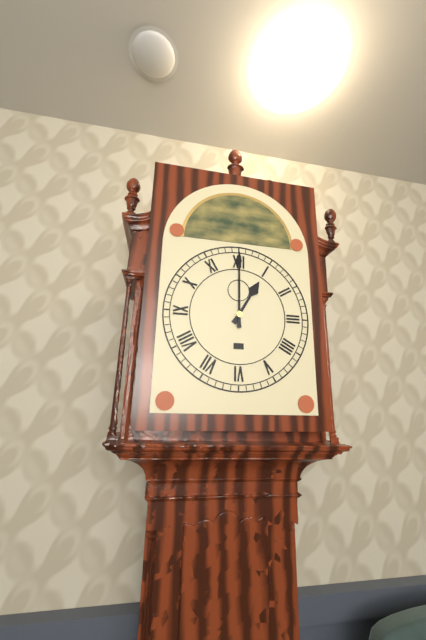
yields 1h00
